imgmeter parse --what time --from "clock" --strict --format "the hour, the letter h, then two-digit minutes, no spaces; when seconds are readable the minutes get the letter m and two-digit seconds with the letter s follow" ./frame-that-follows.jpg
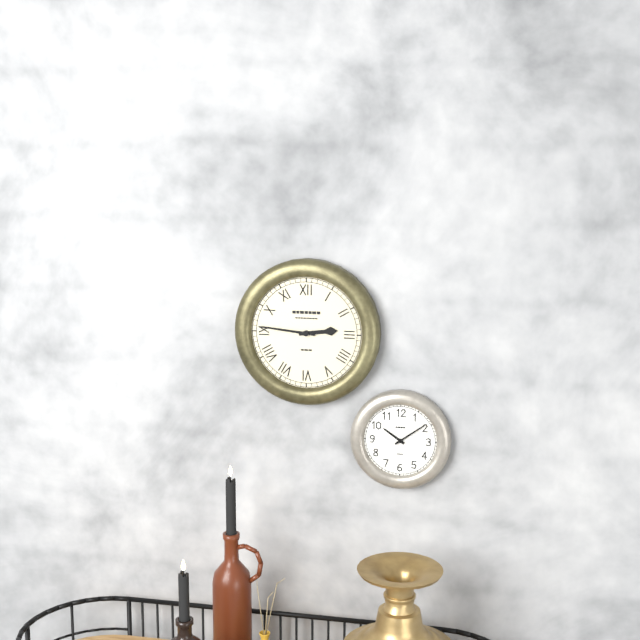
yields 2h46
